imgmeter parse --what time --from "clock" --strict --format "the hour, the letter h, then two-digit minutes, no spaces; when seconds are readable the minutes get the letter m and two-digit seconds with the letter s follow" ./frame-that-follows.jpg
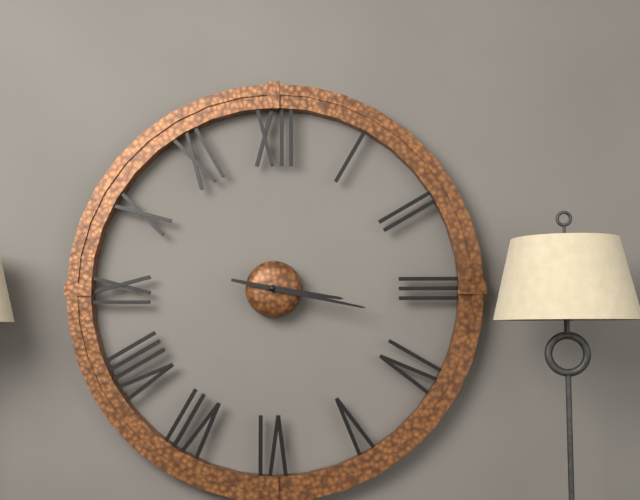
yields 3h17
